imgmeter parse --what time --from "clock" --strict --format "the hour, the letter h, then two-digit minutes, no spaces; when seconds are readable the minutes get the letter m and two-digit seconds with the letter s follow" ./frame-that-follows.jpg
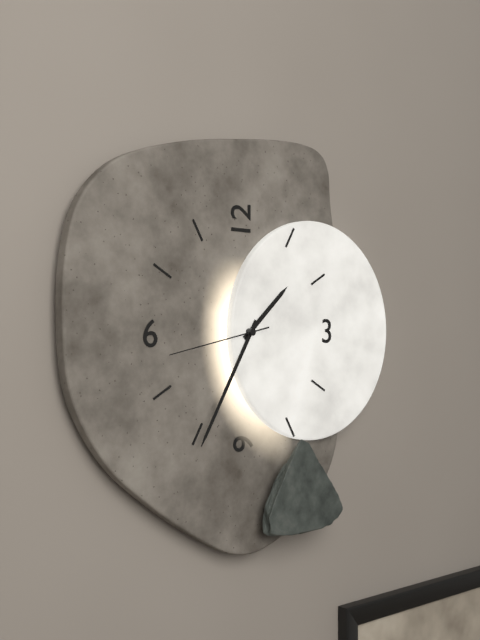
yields 1h35m43s
